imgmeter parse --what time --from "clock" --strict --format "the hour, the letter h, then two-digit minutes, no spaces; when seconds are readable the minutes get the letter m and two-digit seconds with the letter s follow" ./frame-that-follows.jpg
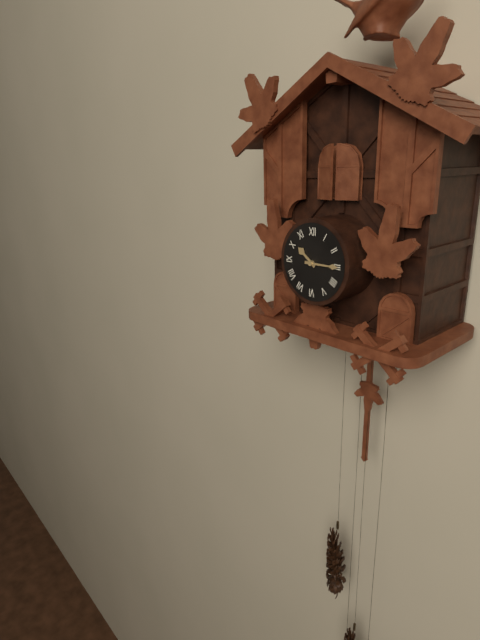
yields 10h15
